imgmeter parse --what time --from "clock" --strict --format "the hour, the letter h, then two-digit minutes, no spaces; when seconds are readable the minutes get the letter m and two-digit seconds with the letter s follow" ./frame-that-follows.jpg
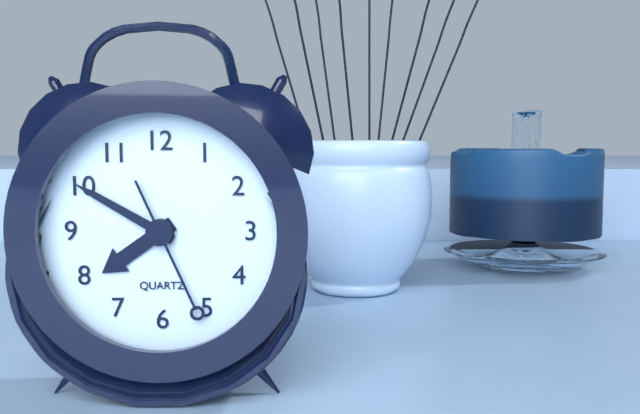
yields 7h50m26s
